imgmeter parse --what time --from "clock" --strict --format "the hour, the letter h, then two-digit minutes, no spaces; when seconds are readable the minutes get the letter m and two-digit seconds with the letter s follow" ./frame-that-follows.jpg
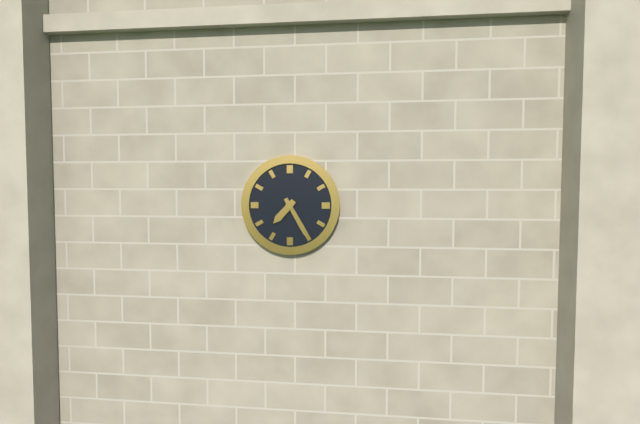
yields 7h25
